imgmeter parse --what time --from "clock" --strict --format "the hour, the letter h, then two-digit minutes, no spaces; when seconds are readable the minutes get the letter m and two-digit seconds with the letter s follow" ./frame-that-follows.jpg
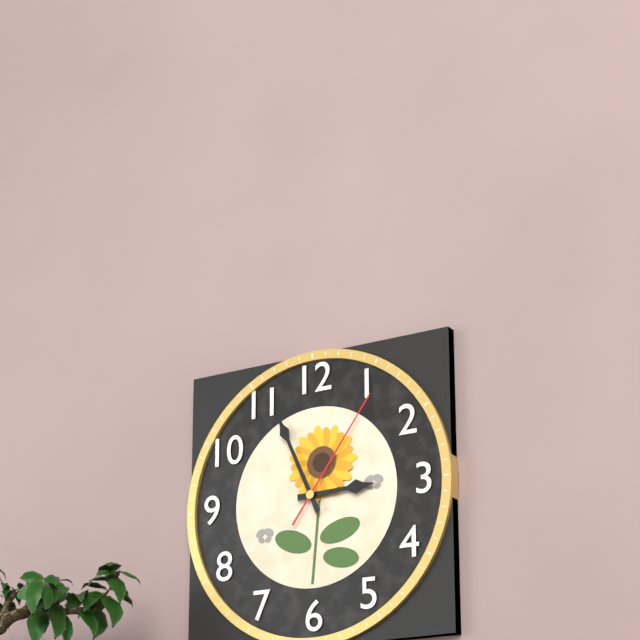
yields 2h56m06s
